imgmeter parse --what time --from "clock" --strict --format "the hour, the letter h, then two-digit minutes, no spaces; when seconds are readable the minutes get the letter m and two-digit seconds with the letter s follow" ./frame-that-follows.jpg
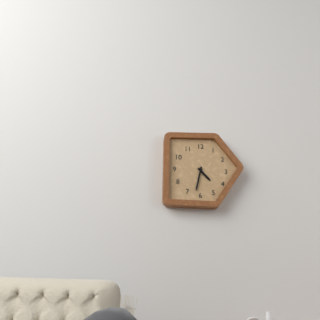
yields 4h32
